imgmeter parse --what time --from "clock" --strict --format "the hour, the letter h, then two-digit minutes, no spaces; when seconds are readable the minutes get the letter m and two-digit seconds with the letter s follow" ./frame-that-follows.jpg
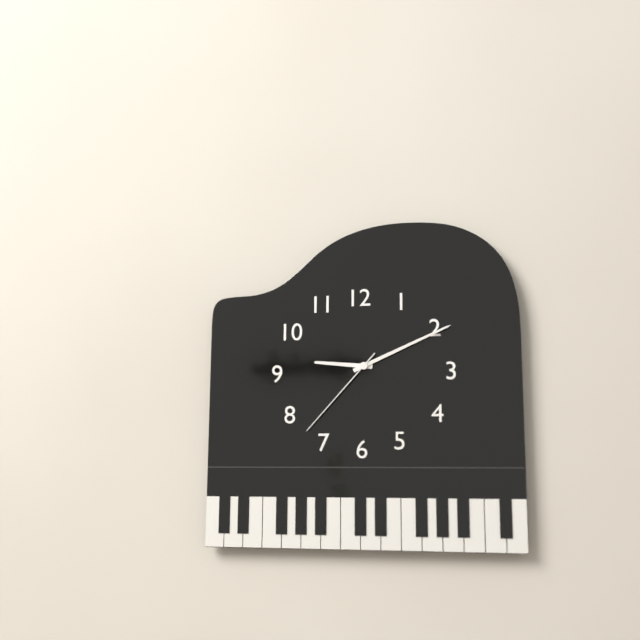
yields 9h11m37s
